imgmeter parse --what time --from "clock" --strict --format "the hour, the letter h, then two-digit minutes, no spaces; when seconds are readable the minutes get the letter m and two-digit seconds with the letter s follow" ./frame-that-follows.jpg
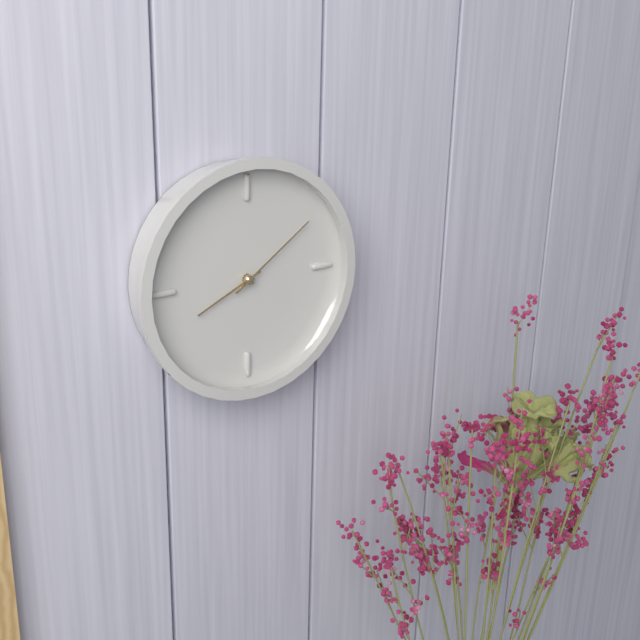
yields 8h09
